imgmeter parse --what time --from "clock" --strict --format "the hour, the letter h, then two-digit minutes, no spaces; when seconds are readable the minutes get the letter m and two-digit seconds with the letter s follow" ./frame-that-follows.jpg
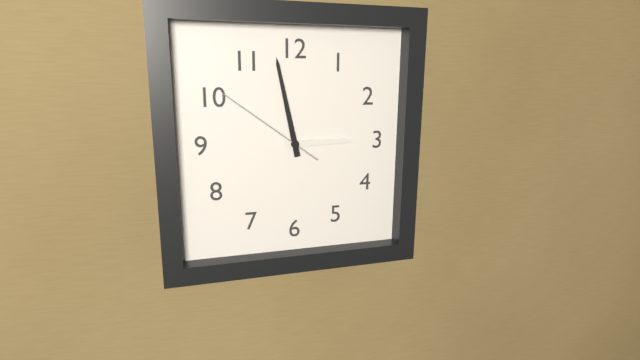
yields 2h58m51s
